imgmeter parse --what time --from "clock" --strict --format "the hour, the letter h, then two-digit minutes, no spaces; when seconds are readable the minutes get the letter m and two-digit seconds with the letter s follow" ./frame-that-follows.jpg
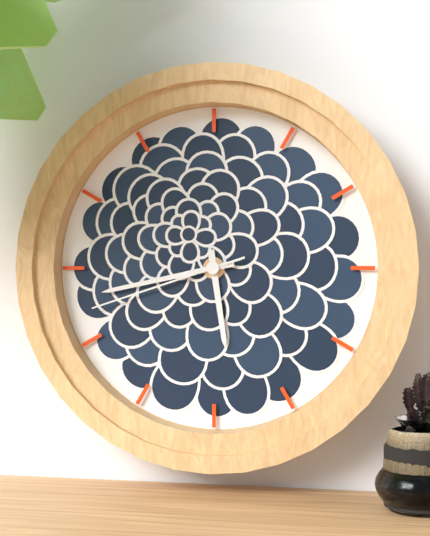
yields 5h43m42s
